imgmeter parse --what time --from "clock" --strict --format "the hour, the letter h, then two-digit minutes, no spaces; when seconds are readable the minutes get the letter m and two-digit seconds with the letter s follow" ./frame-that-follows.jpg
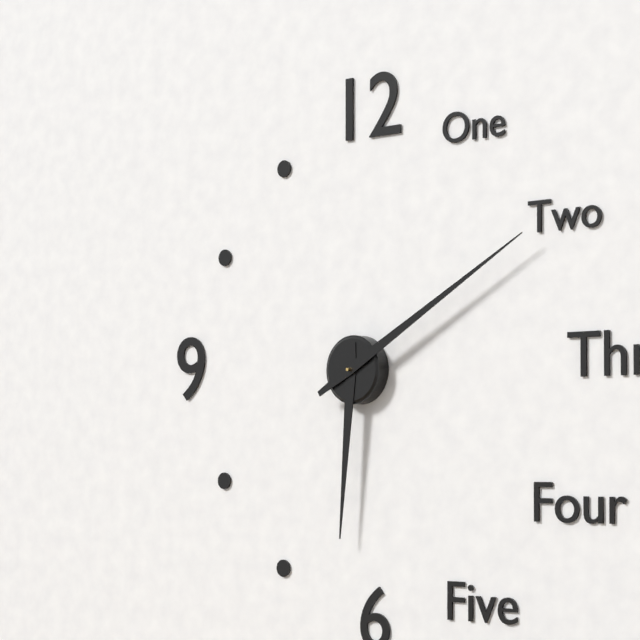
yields 6h10
